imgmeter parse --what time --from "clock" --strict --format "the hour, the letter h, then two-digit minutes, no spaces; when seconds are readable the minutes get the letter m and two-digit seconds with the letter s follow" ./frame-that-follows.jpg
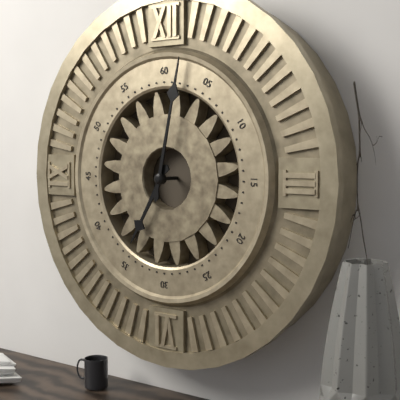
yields 7h02
